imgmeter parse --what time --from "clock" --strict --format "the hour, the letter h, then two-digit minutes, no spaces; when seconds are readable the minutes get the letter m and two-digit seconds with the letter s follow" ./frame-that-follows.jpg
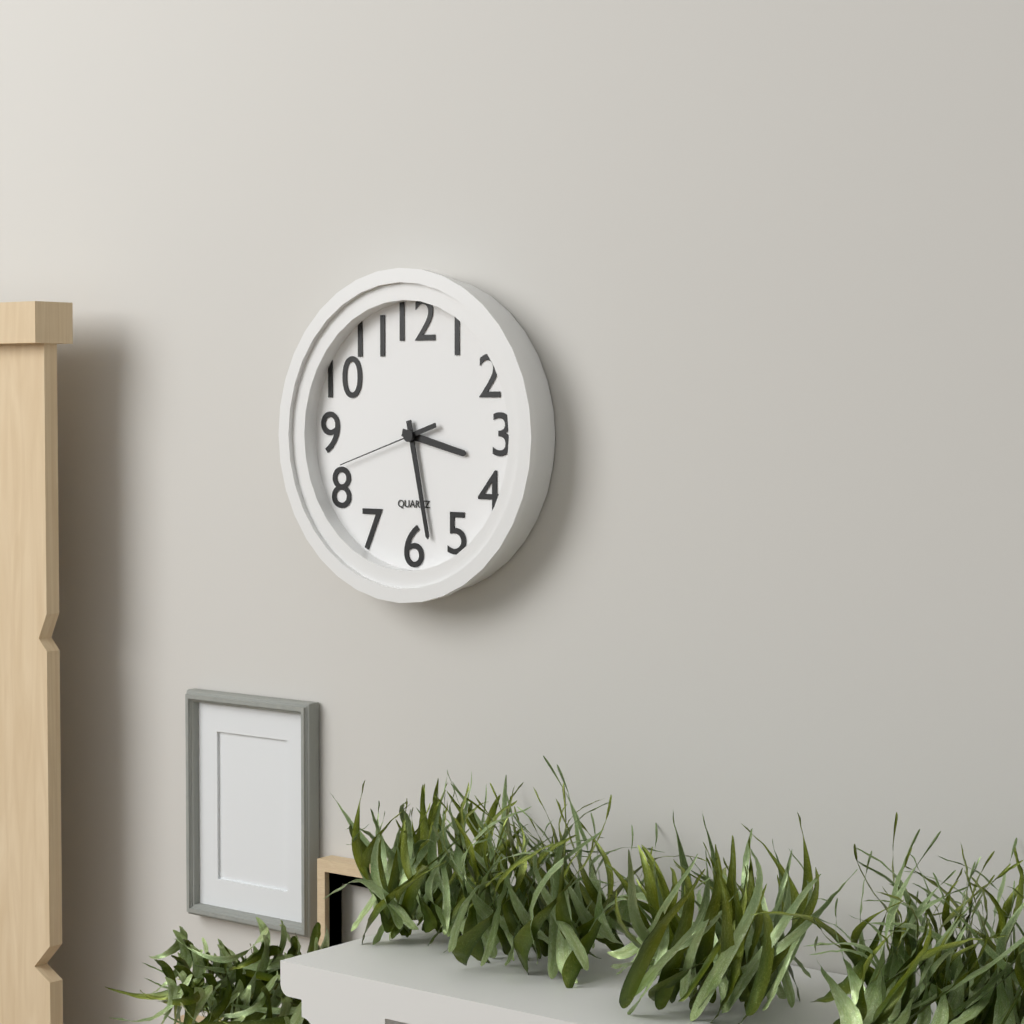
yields 3h28m42s
